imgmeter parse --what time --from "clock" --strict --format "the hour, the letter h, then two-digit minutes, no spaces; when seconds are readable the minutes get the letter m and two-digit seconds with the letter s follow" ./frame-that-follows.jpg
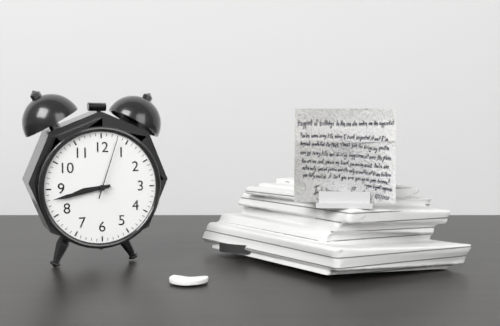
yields 8h43m03s
